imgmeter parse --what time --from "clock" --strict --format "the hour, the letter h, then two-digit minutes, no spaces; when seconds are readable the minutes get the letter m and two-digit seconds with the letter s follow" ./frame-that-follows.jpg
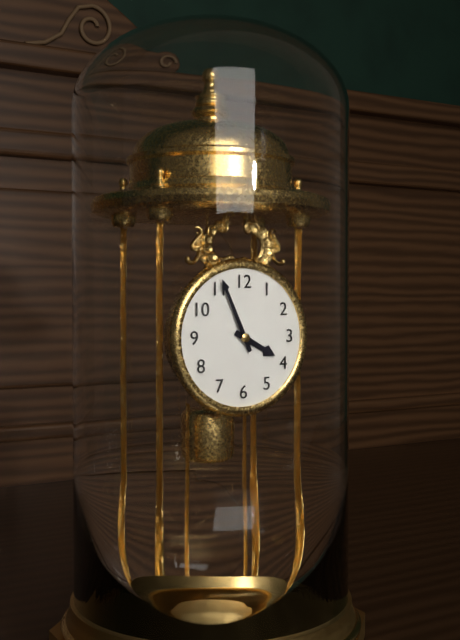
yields 3h56
